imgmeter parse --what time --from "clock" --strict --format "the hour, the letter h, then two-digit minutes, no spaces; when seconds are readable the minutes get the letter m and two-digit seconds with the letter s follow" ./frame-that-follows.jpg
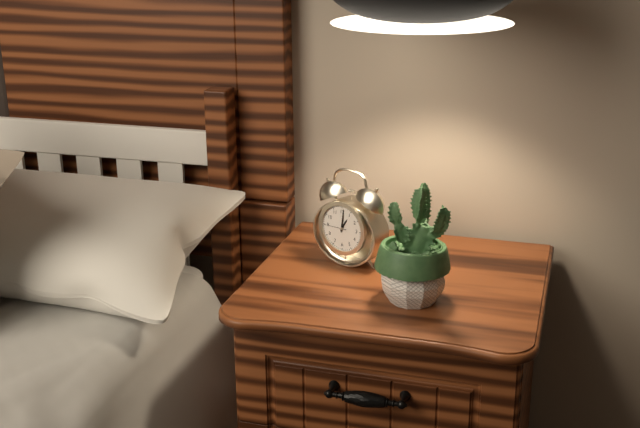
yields 1h01
